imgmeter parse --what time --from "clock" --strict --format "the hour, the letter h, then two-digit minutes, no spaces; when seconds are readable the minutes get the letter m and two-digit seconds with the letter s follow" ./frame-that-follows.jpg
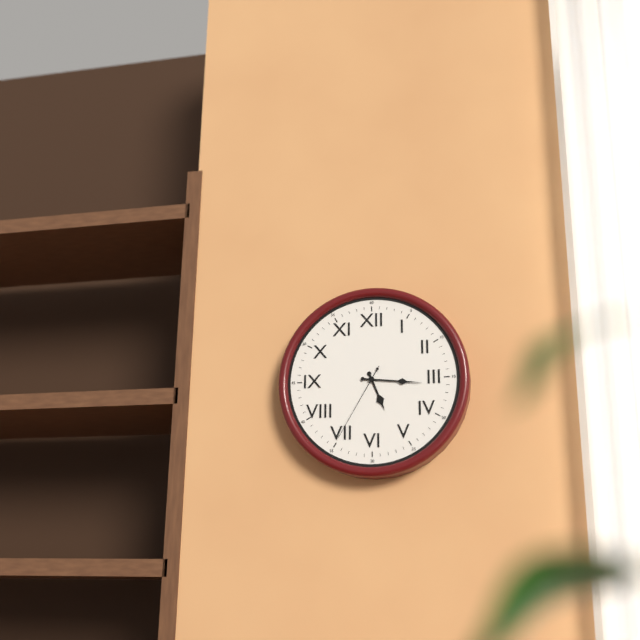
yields 5h16m35s
